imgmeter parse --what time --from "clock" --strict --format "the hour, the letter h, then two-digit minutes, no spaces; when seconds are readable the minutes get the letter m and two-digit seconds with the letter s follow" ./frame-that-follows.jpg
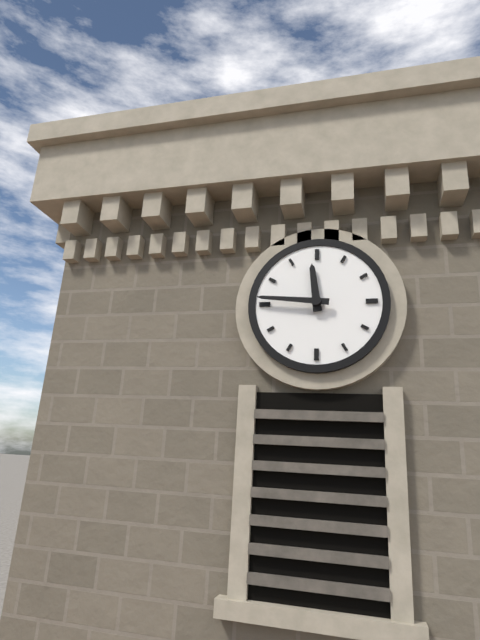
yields 11h46
